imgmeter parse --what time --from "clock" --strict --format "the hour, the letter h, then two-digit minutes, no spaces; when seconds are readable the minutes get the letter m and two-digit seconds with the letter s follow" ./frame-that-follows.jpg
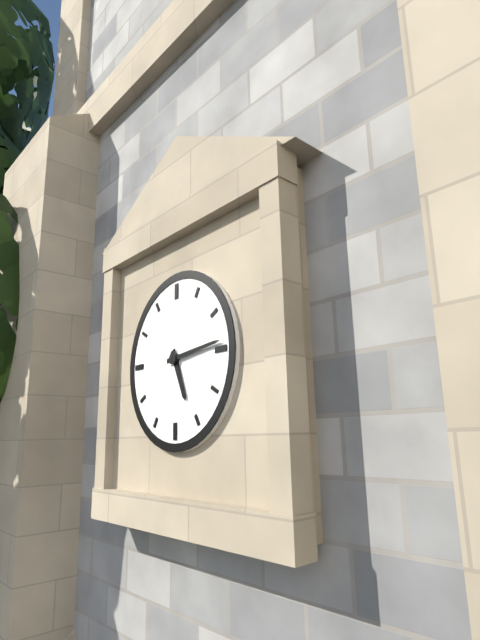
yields 5h14
